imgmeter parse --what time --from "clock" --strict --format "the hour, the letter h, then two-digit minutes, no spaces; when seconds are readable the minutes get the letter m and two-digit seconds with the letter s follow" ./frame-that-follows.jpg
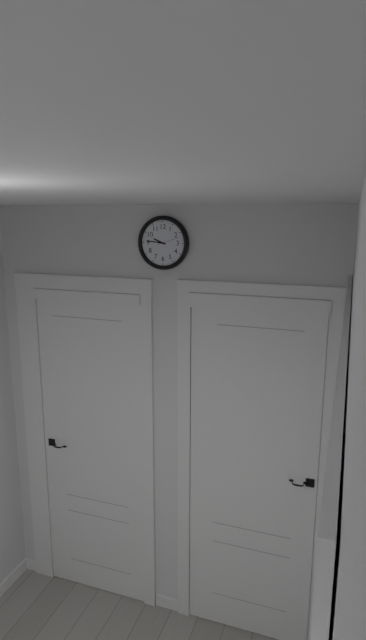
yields 9h46
